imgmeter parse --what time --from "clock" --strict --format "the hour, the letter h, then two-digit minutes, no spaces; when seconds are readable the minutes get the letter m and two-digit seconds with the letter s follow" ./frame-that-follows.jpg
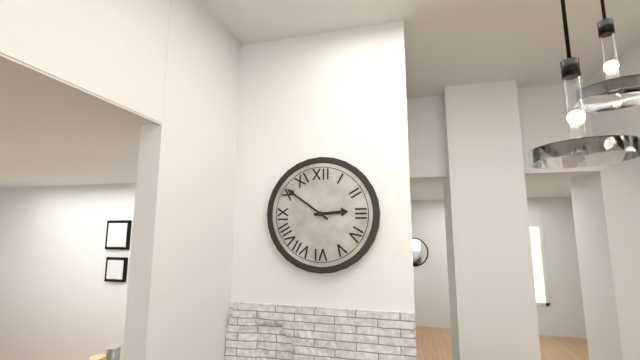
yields 2h51
